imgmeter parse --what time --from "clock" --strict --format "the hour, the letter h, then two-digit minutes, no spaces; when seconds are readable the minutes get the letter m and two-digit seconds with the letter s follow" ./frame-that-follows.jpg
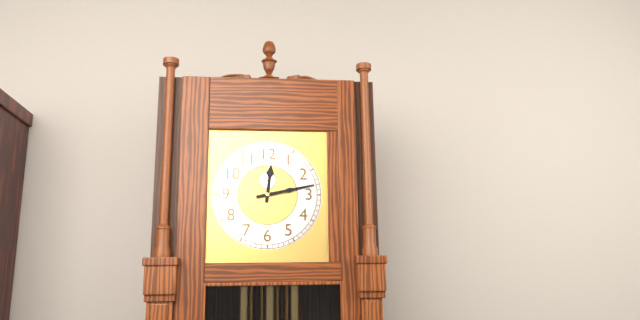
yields 12h13
